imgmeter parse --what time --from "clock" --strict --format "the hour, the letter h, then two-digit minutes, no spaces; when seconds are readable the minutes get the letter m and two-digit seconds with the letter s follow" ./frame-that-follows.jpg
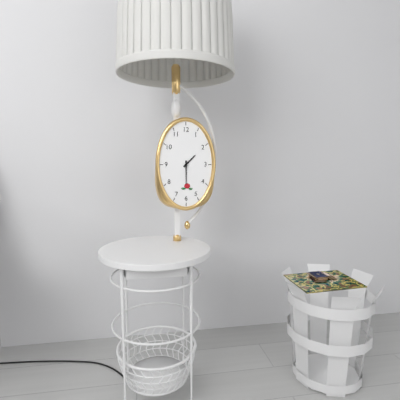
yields 1h30
